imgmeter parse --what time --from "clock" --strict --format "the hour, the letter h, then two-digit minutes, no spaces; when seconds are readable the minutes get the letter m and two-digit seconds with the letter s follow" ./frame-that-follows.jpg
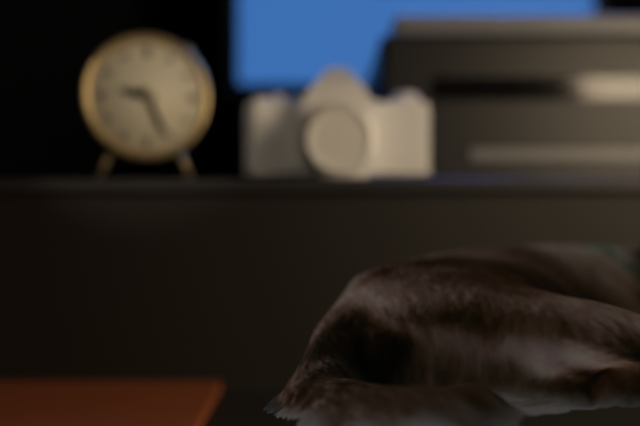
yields 9h26
